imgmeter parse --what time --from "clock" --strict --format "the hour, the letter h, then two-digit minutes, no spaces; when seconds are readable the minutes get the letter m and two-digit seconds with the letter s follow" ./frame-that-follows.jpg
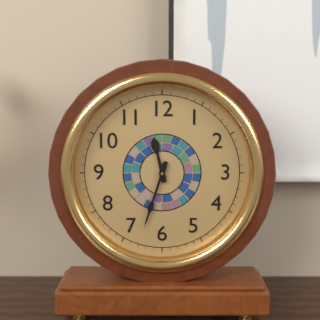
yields 11h33
